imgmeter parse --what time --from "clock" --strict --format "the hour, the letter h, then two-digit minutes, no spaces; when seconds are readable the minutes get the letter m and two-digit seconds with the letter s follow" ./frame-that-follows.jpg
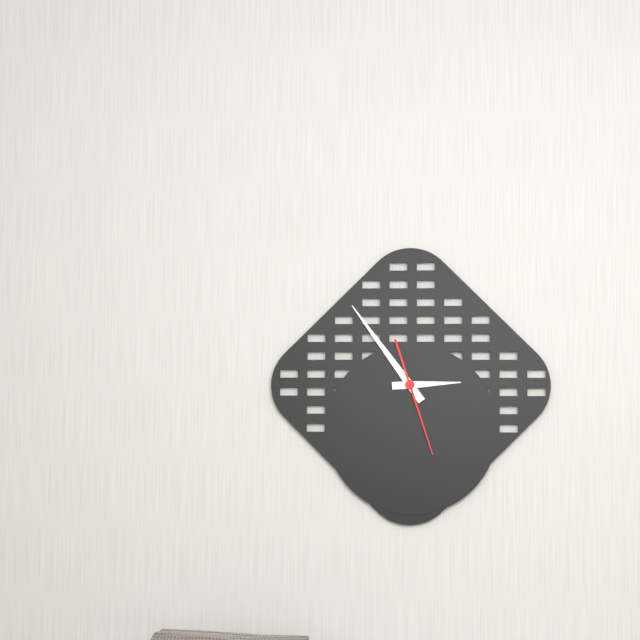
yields 2h54m27s
